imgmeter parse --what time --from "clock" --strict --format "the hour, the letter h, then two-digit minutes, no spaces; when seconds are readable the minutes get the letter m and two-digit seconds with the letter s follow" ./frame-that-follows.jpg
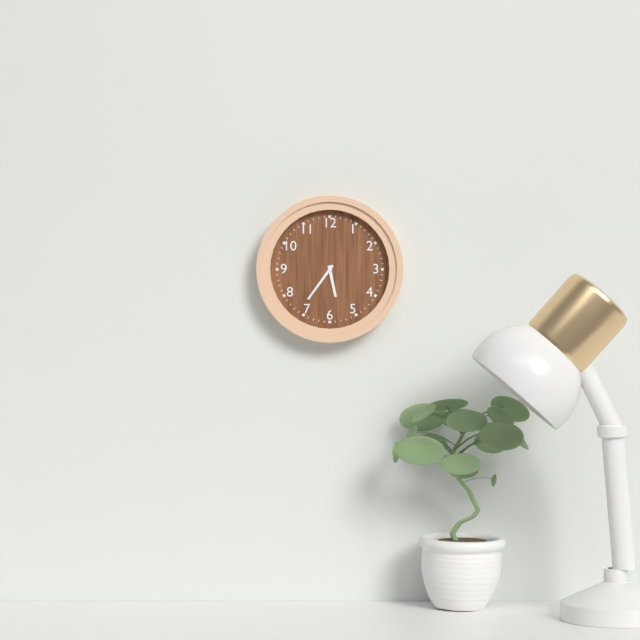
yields 5h36
